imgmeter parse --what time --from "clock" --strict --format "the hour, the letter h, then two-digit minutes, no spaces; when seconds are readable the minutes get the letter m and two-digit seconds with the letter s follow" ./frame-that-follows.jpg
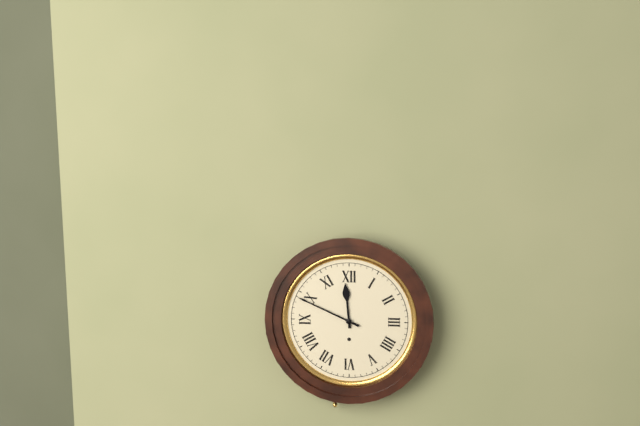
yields 11h49
